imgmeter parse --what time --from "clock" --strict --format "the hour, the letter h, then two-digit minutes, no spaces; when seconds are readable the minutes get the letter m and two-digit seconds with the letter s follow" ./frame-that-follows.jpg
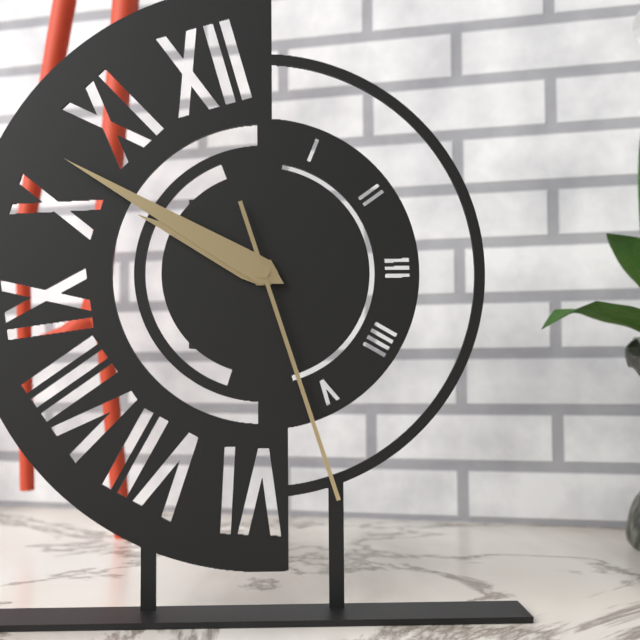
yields 9h50m27s
